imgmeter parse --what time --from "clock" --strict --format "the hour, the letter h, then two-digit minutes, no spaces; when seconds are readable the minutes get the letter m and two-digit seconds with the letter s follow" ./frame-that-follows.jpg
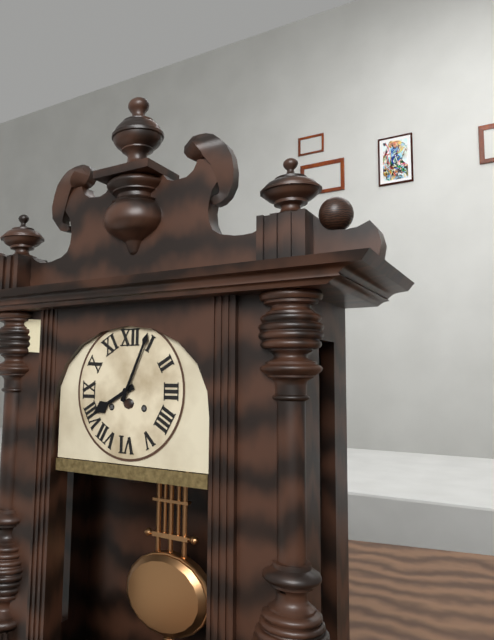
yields 8h04
